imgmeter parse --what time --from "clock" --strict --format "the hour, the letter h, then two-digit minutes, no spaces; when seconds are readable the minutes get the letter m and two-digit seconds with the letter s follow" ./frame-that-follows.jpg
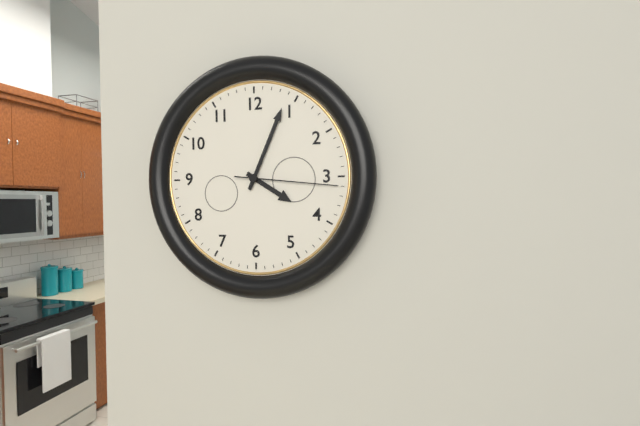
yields 4h04m16s
